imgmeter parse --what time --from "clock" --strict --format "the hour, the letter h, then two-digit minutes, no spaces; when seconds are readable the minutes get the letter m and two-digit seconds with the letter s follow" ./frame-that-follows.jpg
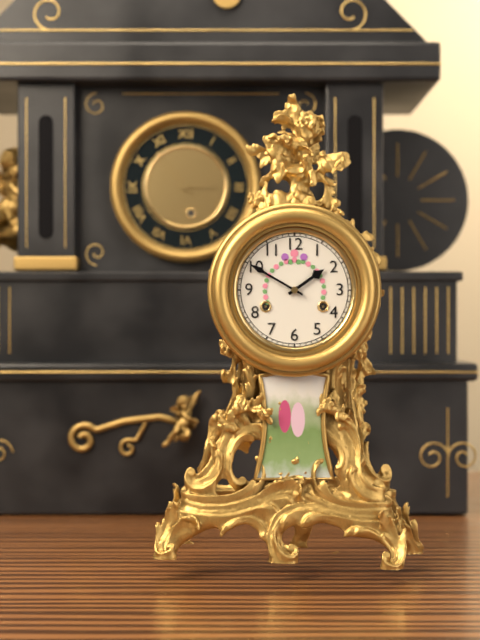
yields 1h50
